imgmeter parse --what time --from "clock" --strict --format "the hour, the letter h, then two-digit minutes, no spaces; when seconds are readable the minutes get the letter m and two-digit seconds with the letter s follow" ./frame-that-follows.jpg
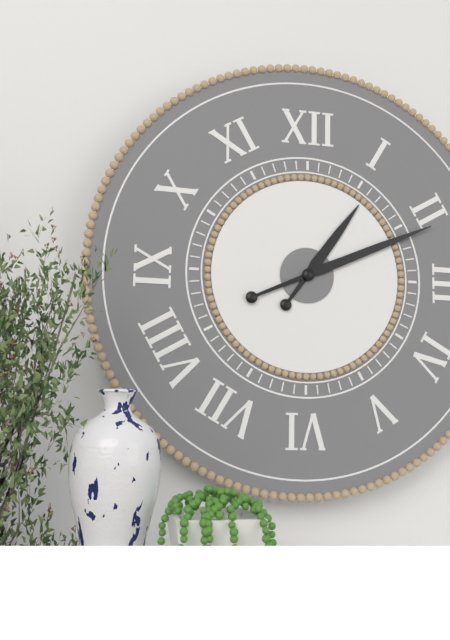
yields 1h11
